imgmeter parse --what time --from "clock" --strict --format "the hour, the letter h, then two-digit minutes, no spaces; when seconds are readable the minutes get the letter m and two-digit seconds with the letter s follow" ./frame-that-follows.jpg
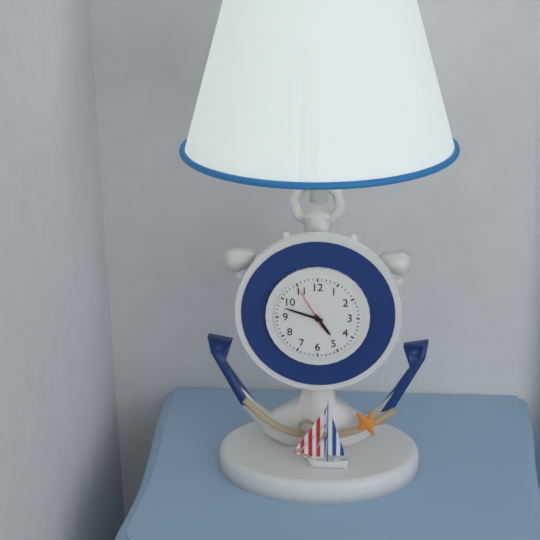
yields 4h48
